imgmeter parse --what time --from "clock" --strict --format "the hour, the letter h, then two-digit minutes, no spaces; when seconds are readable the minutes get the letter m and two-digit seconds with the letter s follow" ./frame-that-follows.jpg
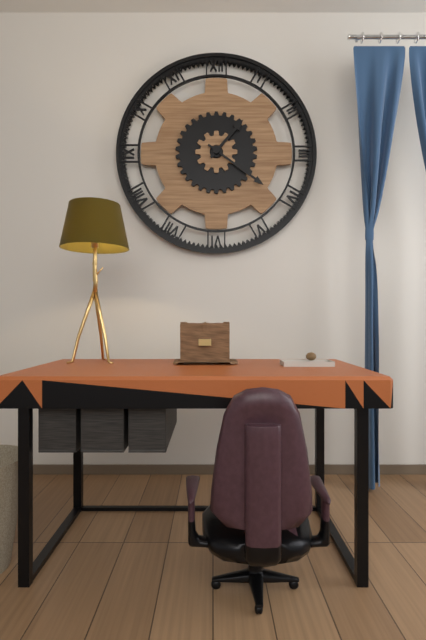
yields 1h21
